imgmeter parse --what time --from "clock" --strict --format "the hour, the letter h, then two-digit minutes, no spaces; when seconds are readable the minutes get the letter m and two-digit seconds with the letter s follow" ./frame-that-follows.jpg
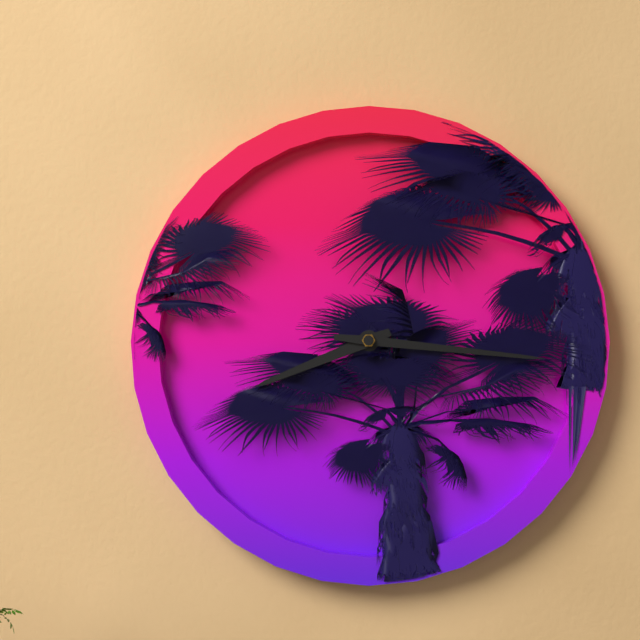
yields 8h16
